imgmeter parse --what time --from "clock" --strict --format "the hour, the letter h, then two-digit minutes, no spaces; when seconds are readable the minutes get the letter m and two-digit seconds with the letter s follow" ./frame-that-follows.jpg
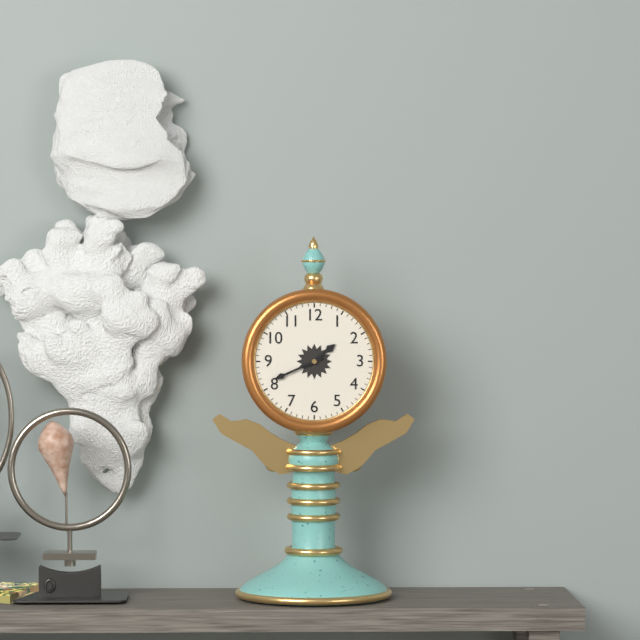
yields 1h41
